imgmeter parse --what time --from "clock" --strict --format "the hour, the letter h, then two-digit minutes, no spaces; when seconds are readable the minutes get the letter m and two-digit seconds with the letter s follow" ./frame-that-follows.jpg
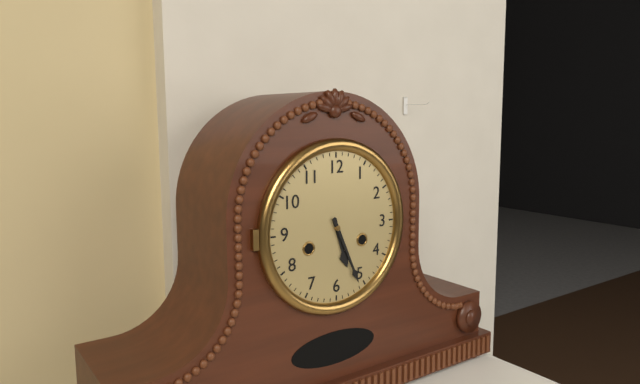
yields 5h26
